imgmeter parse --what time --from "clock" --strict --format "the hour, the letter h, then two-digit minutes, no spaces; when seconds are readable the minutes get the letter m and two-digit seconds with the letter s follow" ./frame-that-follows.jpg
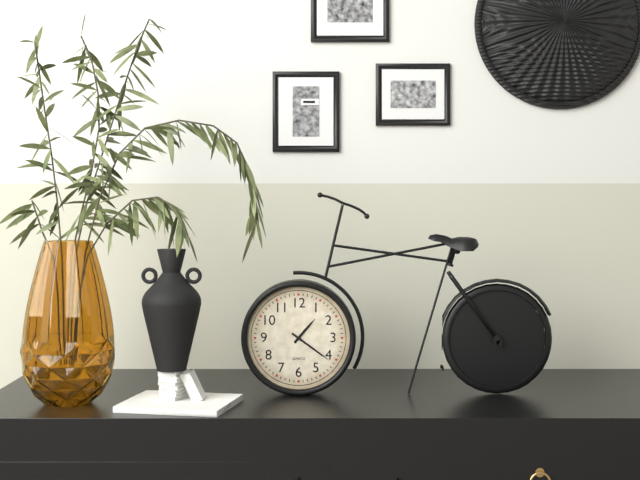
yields 1h21
